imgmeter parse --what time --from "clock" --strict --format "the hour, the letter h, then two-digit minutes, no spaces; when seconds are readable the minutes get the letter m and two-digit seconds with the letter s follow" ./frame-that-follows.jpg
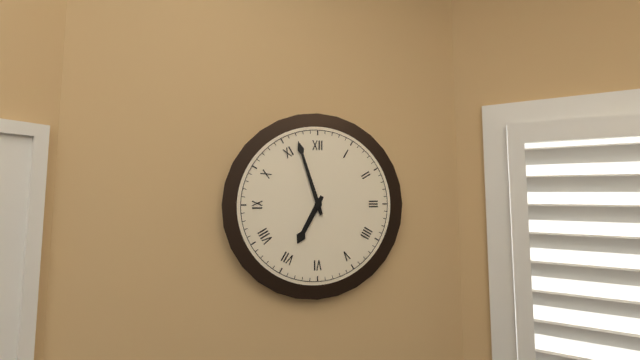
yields 6h57
